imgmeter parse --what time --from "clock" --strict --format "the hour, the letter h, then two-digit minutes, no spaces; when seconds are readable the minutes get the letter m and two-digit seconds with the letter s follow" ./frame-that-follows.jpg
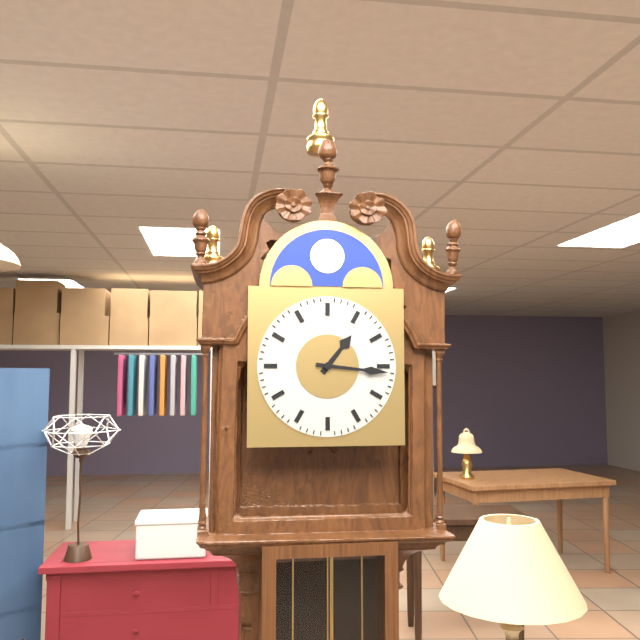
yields 1h16
